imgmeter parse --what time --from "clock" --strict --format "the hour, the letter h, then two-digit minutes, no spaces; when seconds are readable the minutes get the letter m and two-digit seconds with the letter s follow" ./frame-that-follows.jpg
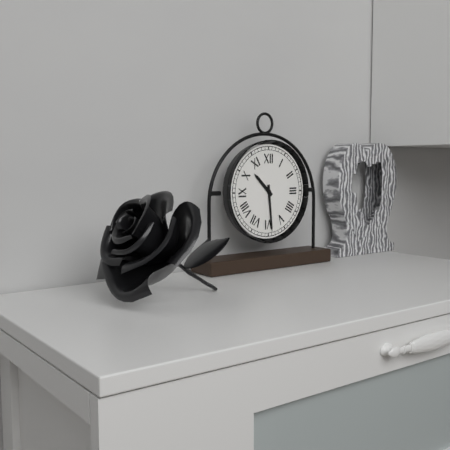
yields 10h29
